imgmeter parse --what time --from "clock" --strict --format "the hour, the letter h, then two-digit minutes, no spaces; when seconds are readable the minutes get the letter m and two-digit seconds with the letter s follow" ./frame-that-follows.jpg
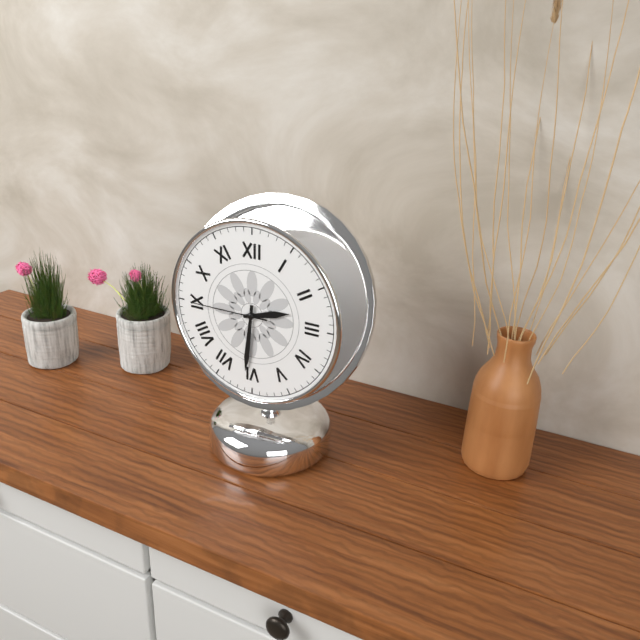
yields 2h31m45s
